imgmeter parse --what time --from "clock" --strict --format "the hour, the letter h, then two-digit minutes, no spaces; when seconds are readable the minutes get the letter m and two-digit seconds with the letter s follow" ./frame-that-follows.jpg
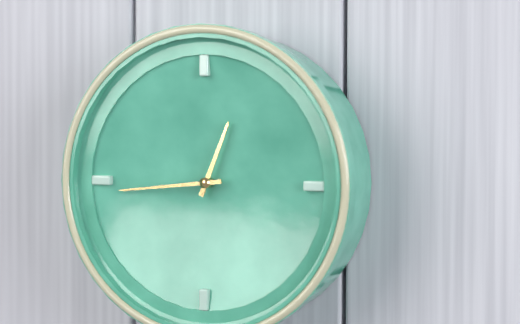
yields 12h44
